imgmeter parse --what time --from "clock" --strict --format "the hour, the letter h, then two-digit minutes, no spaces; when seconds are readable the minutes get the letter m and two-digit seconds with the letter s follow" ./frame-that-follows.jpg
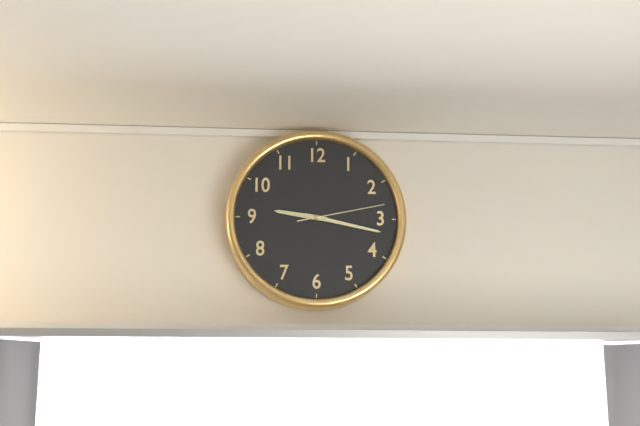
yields 9h17m13s
